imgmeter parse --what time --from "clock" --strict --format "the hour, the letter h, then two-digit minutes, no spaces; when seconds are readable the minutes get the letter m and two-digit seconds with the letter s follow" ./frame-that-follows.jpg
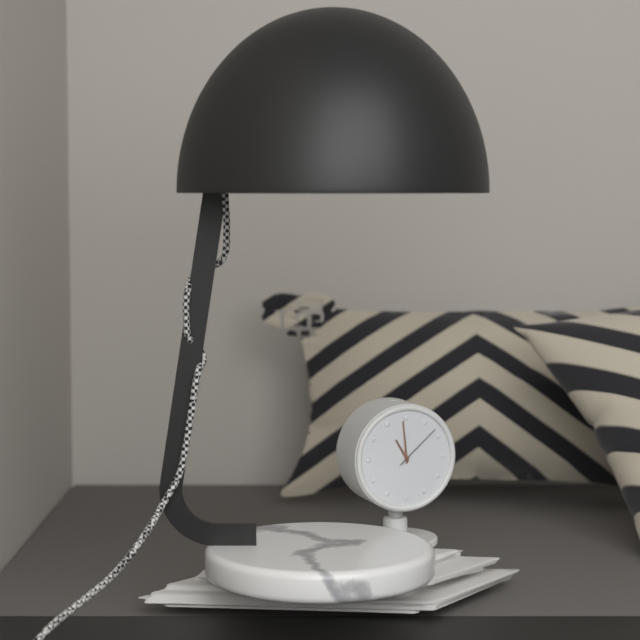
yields 10h59m08s
